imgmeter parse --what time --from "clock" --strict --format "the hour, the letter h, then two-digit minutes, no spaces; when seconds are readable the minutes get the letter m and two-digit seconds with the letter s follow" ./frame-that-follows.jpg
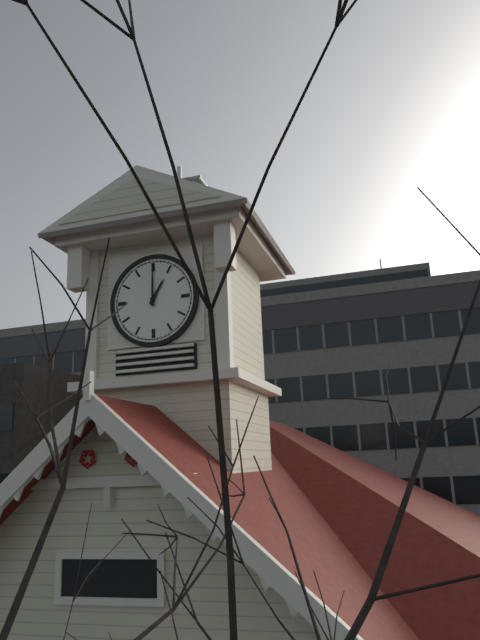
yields 1h00
